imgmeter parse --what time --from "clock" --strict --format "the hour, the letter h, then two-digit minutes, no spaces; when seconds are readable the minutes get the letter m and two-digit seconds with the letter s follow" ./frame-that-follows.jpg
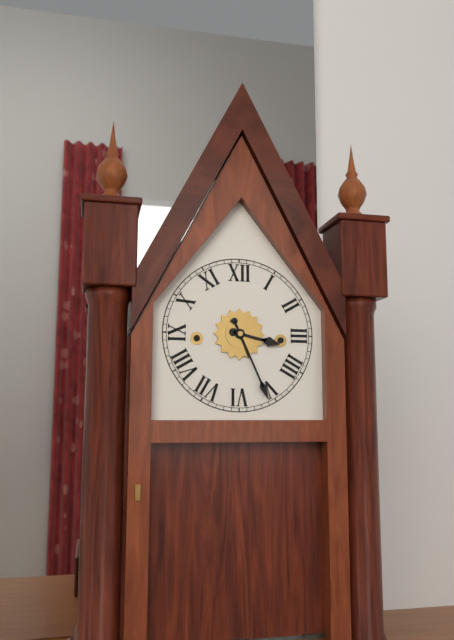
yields 3h26
